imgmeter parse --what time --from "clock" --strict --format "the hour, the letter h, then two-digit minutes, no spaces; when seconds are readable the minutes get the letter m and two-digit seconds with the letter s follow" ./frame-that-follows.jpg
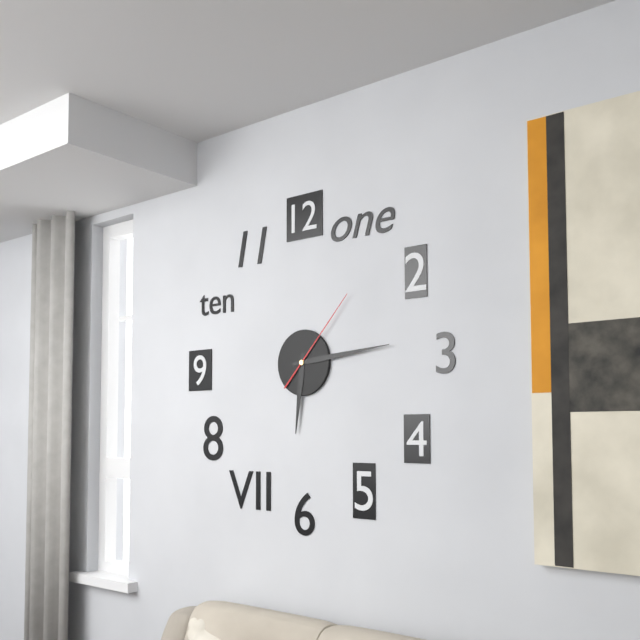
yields 6h14m07s
